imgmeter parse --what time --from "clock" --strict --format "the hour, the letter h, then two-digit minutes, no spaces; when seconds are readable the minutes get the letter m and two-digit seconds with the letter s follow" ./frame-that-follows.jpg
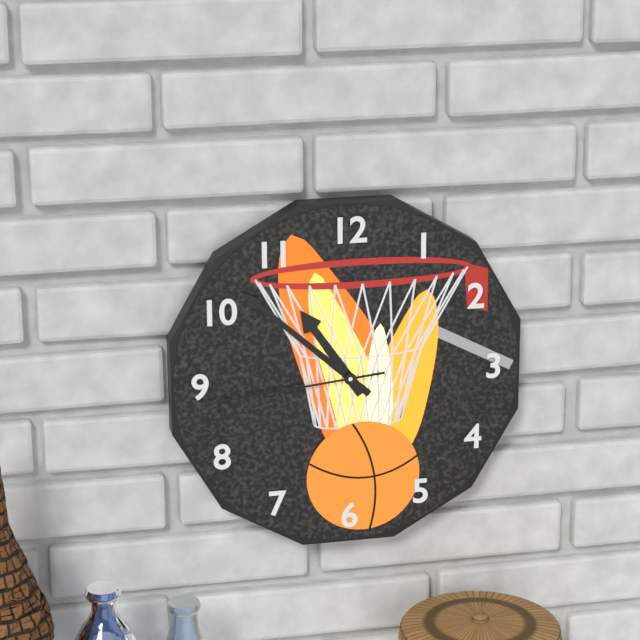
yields 10h52m44s
